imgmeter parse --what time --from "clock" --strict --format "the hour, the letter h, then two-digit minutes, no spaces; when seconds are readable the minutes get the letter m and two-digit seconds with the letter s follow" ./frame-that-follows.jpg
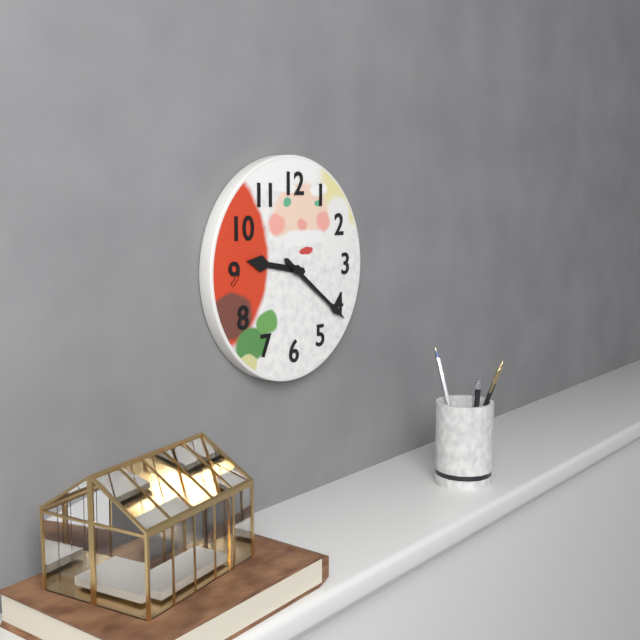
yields 9h21
